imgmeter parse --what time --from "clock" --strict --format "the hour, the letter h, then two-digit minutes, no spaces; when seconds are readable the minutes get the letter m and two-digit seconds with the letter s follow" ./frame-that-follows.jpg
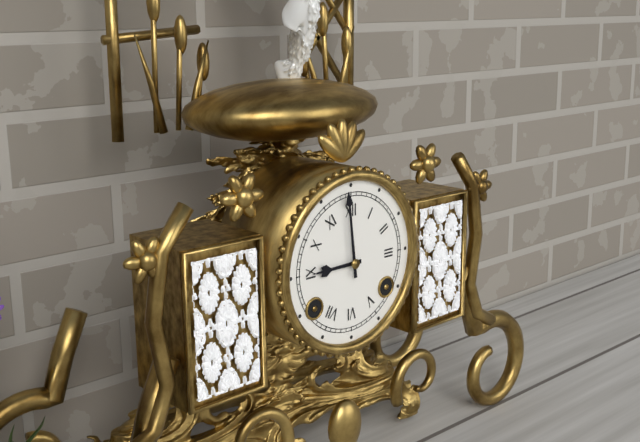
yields 8h59
